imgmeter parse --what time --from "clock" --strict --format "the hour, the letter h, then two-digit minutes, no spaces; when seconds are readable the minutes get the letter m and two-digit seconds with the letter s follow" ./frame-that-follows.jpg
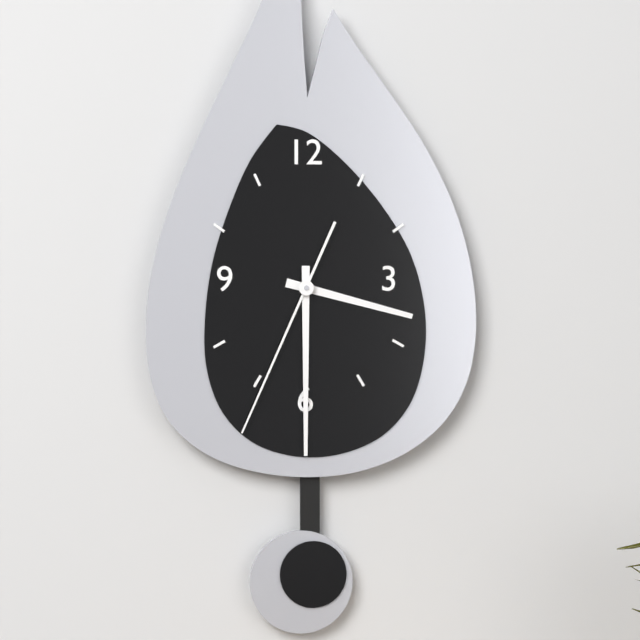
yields 3h30m34s
